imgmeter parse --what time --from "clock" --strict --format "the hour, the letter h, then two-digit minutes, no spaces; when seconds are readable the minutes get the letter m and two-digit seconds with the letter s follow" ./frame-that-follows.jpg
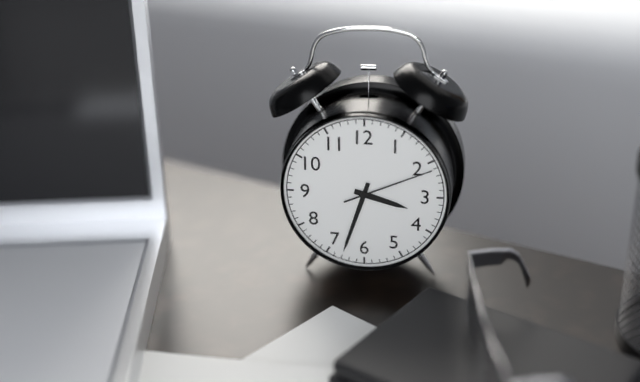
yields 3h33m11s
